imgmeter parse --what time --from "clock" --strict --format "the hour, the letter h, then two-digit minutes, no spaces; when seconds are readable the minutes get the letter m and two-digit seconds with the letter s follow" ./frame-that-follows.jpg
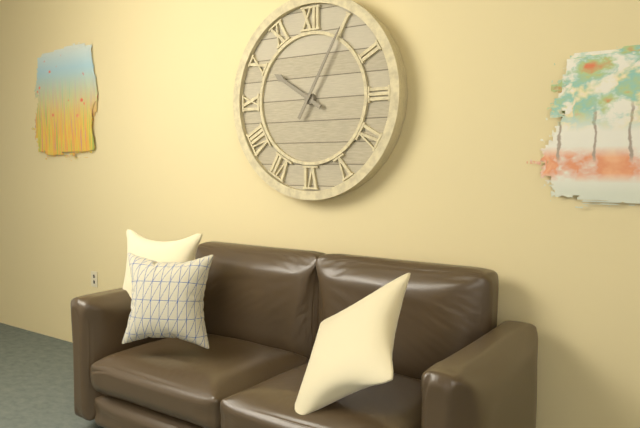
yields 10h05
